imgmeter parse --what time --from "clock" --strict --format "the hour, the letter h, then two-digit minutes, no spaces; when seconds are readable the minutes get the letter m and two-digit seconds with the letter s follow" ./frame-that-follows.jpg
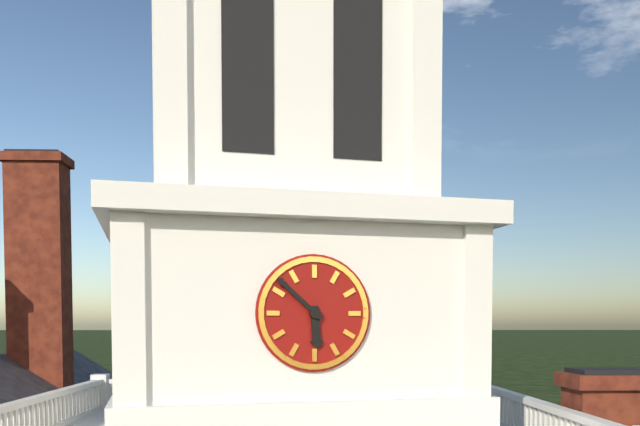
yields 5h52
